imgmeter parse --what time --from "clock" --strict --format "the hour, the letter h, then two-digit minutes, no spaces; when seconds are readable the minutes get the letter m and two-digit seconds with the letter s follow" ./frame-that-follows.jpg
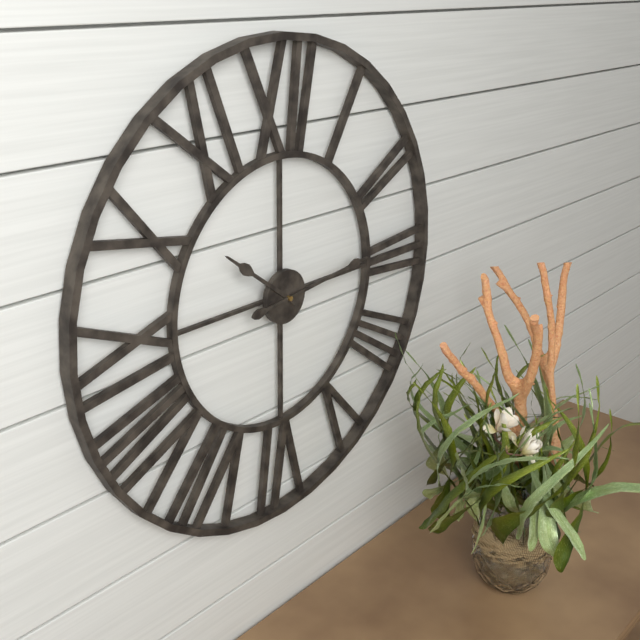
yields 10h14
